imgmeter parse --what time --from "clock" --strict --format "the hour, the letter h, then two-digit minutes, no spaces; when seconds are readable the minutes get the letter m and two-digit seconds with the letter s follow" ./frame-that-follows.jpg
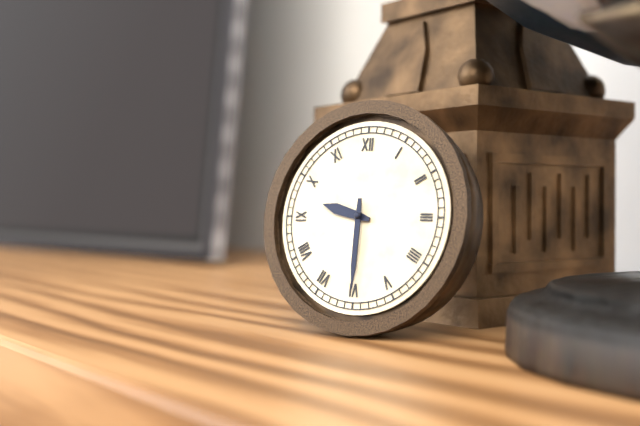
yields 9h30
